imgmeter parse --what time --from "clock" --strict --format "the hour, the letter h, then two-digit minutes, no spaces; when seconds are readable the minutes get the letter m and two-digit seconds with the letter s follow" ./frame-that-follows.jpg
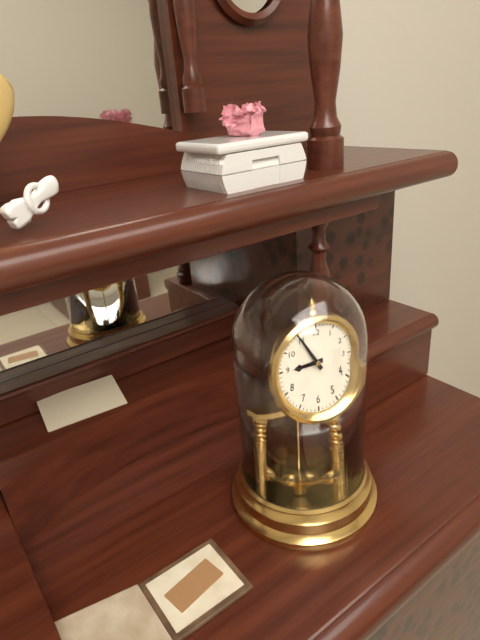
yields 8h55
